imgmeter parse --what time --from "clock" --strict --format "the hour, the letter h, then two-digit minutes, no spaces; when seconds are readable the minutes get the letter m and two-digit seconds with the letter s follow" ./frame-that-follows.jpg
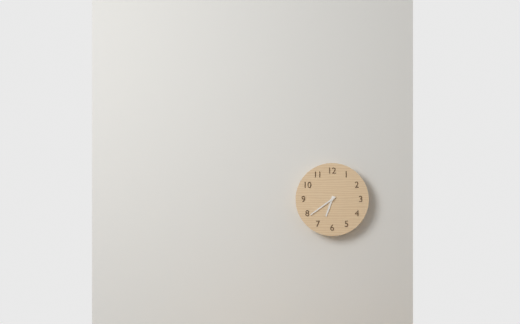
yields 6h39
